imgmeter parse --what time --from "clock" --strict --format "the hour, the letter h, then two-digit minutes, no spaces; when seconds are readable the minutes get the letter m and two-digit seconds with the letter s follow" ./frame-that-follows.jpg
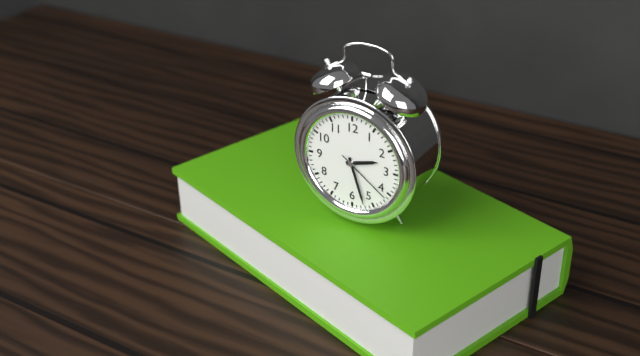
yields 2h27m21s
